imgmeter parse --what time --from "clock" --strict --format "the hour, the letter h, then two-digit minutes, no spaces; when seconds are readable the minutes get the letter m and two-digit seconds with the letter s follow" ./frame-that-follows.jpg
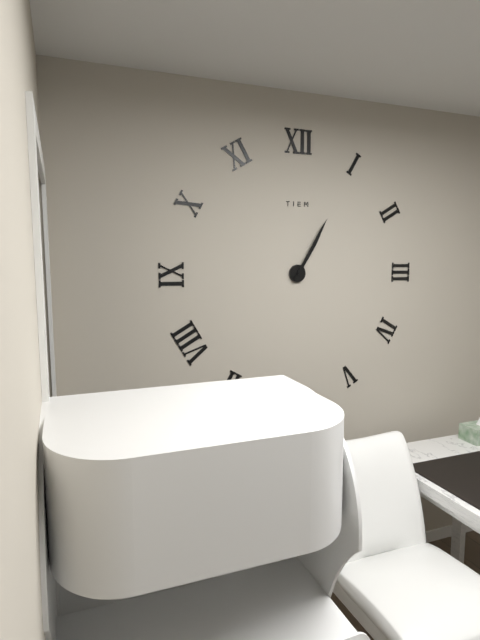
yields 1h05
